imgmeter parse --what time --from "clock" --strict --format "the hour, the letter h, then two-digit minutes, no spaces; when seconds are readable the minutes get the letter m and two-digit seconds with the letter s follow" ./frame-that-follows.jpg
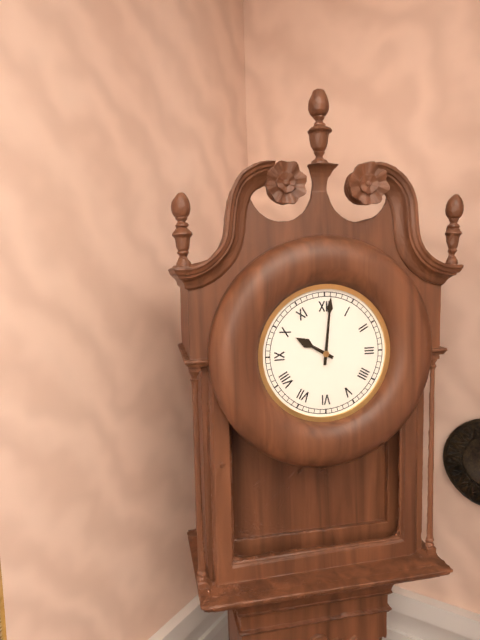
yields 10h01
